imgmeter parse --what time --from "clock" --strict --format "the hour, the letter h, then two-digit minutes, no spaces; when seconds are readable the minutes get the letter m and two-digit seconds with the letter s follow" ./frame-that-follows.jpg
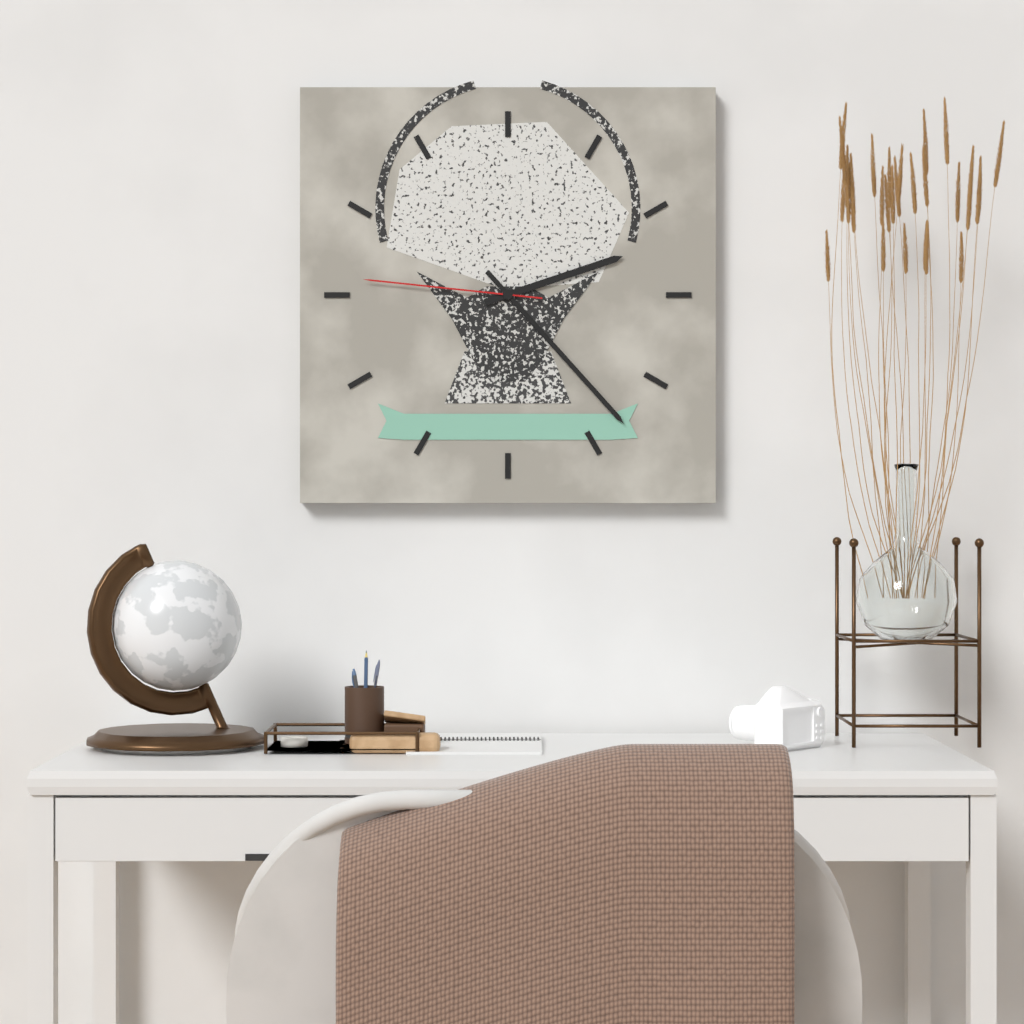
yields 2h23m46s
